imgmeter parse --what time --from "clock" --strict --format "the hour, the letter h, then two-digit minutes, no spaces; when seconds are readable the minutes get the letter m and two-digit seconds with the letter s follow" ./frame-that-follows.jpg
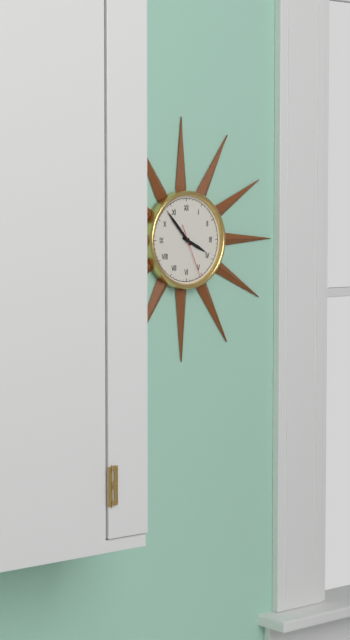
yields 3h53m26s
